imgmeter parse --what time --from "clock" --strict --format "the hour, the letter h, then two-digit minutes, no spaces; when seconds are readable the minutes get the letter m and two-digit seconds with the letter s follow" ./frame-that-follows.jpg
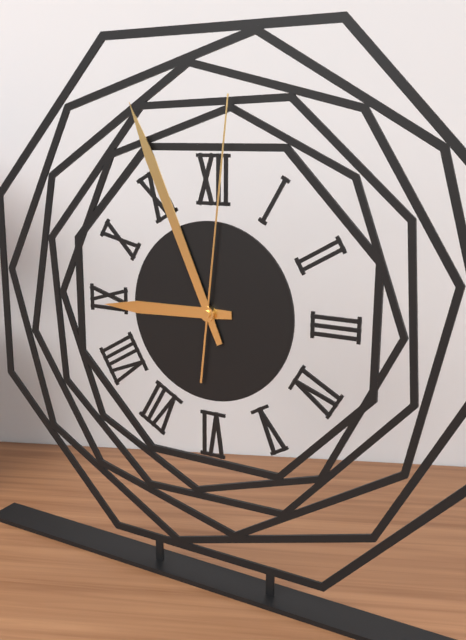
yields 8h56m01s
